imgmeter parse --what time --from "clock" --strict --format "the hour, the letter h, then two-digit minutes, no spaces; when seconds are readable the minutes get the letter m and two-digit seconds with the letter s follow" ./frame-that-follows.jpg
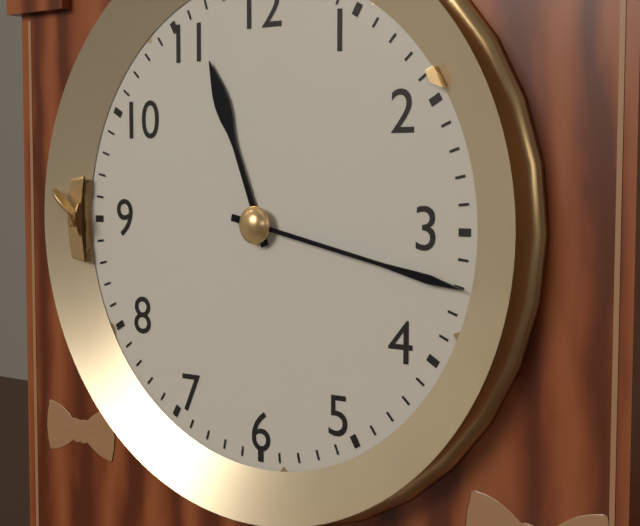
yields 11h17
